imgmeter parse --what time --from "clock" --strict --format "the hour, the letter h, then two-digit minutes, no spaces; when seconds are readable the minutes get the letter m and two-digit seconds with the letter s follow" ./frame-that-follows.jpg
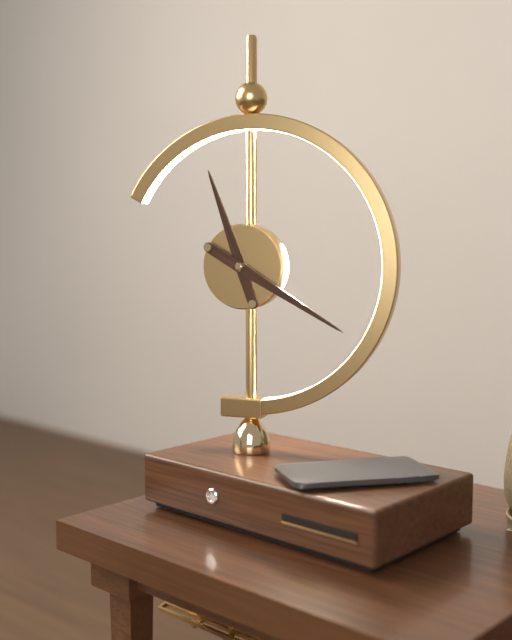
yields 11h20
